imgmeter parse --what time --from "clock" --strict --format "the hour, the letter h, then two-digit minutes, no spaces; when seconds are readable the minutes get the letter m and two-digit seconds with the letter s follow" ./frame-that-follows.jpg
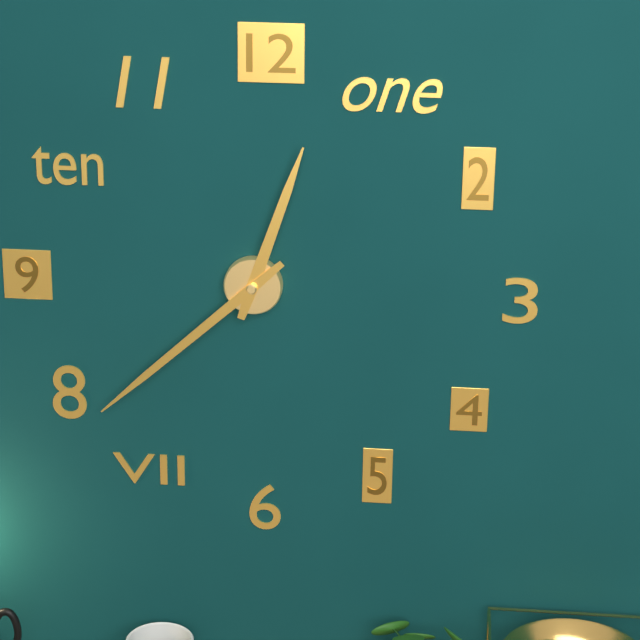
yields 12h38
